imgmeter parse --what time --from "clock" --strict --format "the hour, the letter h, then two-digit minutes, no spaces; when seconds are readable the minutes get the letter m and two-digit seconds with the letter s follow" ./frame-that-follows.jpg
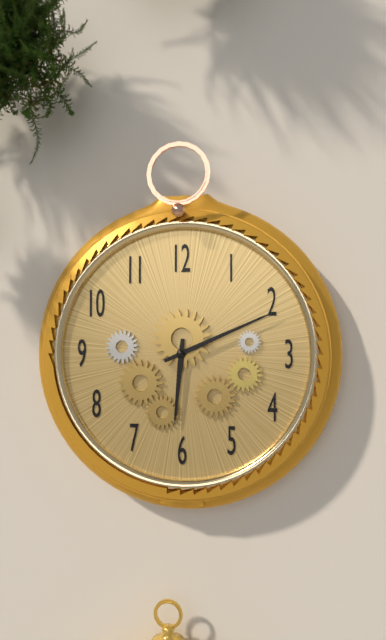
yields 6h11
